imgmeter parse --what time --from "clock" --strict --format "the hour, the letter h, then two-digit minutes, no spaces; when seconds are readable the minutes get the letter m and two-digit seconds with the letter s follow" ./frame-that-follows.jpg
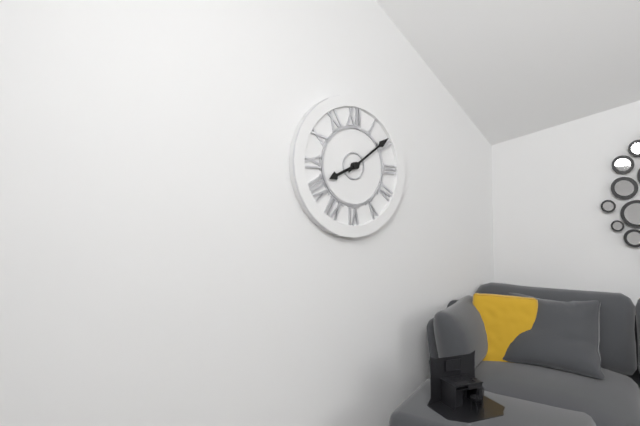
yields 8h09
